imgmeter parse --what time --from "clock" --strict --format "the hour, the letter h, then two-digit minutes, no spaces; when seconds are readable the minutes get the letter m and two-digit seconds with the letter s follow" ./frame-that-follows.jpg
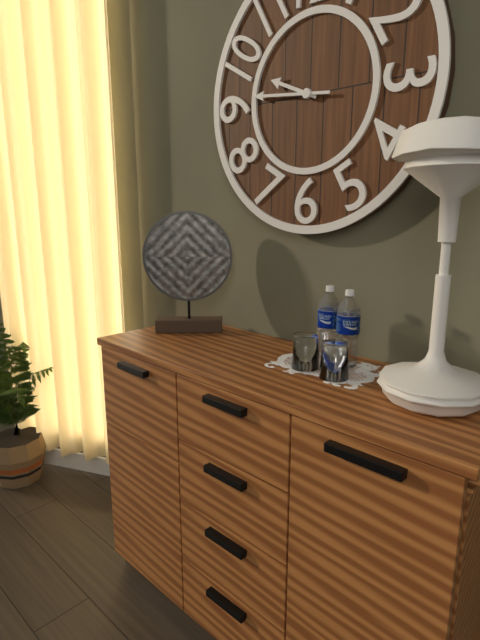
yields 9h46
